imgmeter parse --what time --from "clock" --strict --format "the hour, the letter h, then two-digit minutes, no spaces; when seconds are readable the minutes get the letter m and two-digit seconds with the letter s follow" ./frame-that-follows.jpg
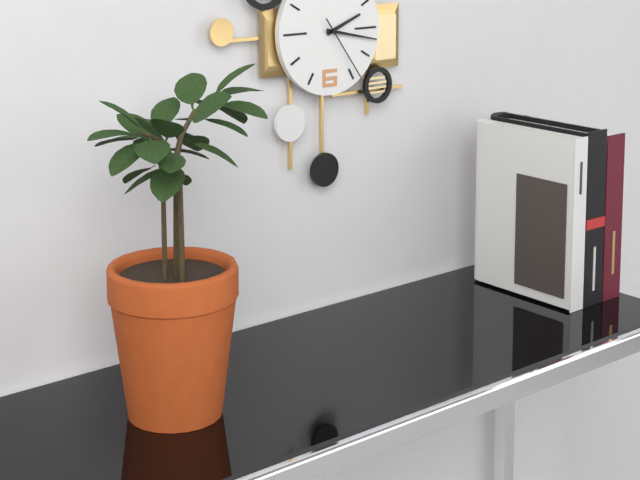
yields 2h17m24s
